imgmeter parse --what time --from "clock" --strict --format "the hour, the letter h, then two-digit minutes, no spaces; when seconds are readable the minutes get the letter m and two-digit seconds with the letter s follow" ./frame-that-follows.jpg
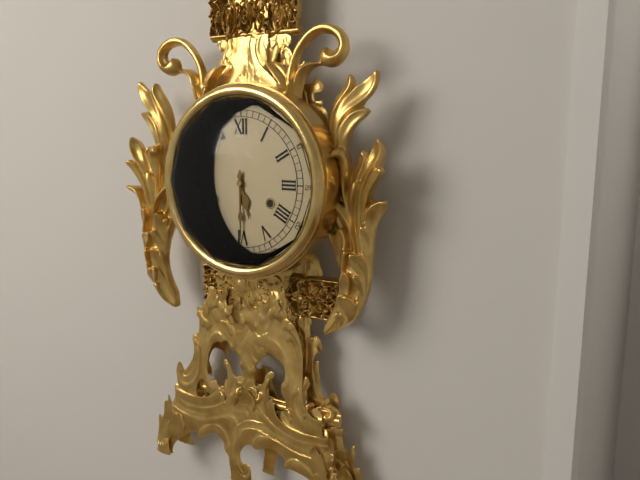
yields 5h30
